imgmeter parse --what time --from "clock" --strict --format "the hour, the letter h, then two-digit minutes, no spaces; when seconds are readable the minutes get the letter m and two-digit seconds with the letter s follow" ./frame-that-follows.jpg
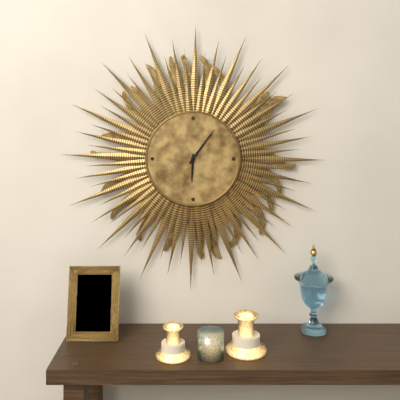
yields 6h06
